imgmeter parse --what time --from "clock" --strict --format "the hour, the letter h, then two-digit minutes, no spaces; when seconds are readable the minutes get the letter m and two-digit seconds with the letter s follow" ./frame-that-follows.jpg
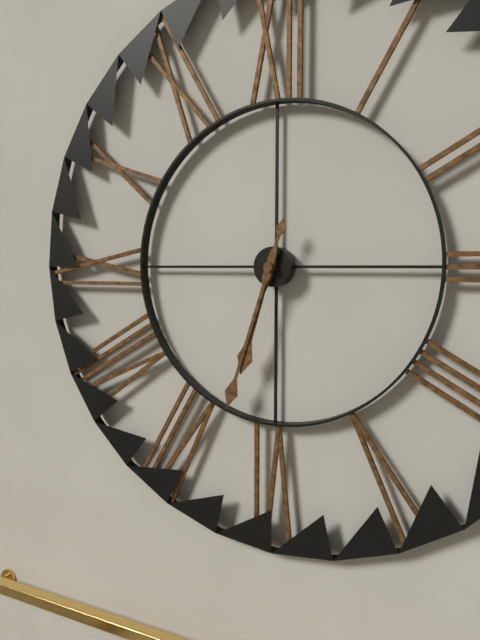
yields 6h33
